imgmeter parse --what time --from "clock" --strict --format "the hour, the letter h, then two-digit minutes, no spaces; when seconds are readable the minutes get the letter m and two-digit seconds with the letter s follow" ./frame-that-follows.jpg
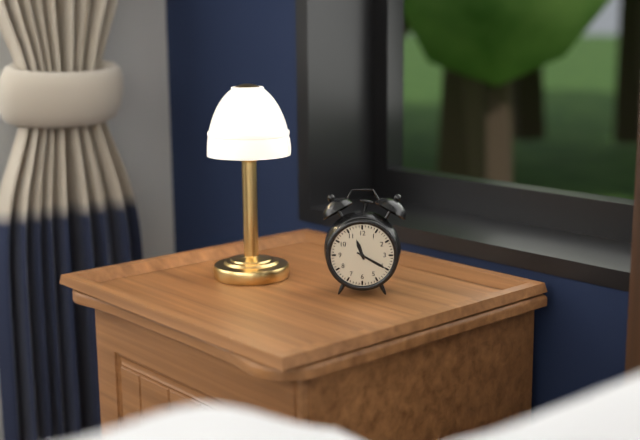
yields 11h20
